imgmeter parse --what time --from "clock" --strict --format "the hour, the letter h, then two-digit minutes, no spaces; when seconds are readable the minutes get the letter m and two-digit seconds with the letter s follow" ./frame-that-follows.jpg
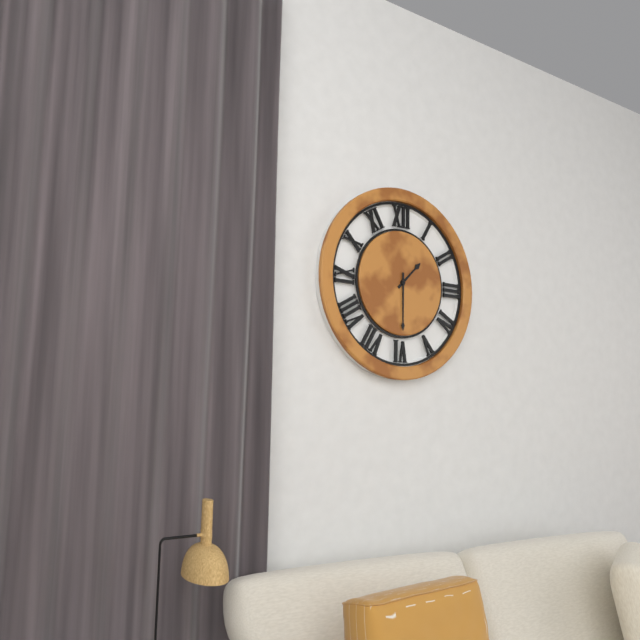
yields 1h30
